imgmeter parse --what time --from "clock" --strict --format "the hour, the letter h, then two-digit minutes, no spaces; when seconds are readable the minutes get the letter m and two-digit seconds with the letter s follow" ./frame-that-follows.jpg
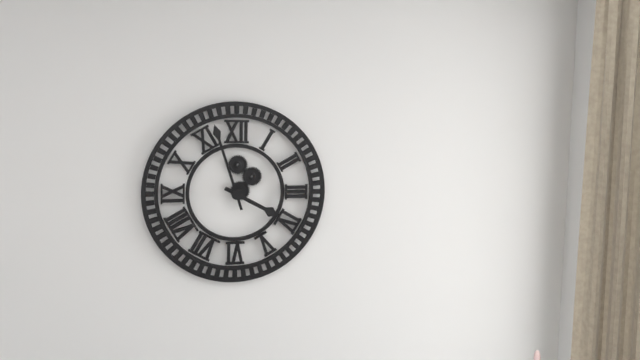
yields 3h57
